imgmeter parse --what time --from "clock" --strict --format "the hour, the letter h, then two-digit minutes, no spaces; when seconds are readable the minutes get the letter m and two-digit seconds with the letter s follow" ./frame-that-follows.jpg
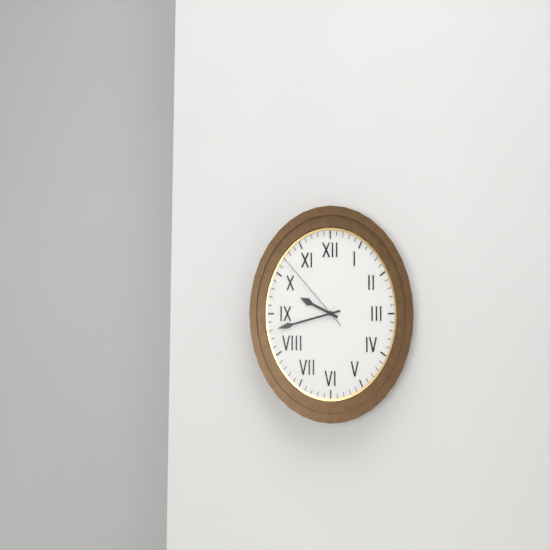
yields 9h43m52s
